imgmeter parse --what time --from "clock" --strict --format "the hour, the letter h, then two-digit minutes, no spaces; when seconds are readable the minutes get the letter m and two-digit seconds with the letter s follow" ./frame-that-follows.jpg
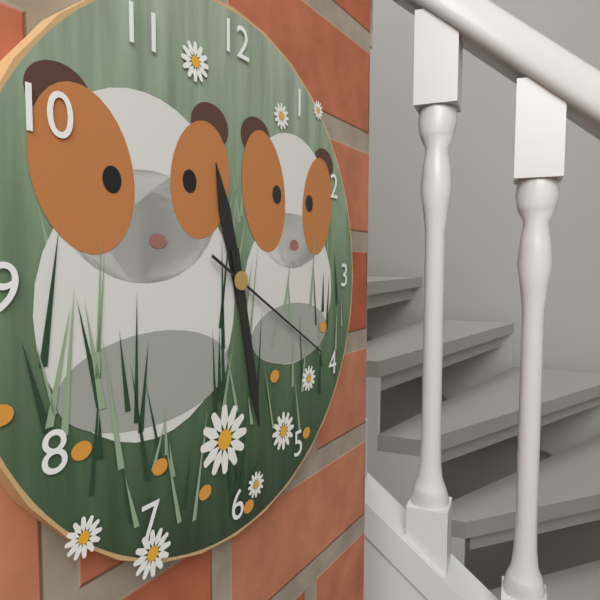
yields 11h28m20s
